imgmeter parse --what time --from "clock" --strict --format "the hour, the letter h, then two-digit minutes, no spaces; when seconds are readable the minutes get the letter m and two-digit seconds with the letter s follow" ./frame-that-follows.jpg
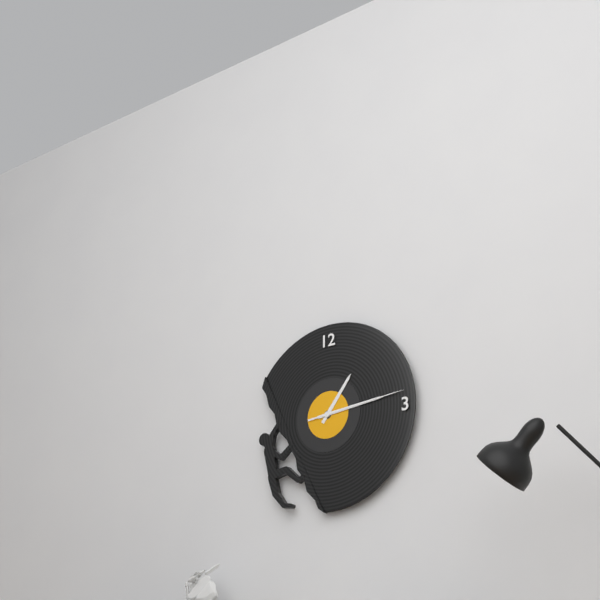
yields 1h14m14s
